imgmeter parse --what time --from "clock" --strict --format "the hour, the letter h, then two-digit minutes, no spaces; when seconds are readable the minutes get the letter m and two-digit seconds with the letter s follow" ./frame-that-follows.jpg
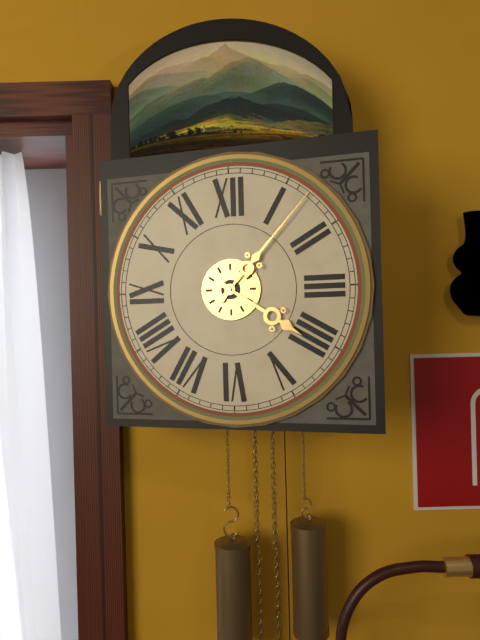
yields 4h07
